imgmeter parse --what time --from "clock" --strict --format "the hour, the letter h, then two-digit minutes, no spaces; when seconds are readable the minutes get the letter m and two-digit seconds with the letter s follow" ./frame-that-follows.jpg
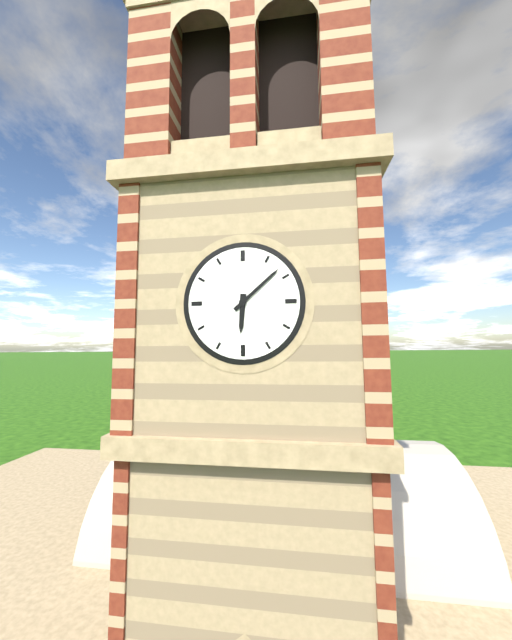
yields 6h08
